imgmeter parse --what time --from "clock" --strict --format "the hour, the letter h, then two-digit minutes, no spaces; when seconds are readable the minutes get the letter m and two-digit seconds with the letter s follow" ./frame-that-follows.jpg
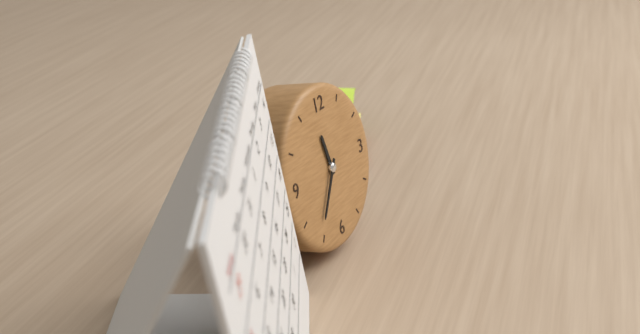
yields 11h36
